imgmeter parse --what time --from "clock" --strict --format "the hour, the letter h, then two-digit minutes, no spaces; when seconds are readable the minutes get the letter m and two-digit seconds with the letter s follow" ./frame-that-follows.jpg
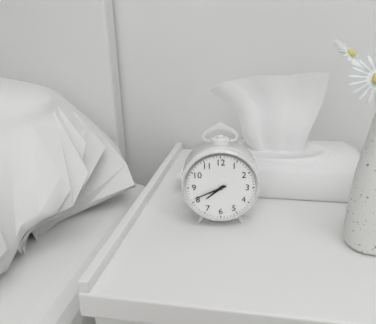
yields 7h41
